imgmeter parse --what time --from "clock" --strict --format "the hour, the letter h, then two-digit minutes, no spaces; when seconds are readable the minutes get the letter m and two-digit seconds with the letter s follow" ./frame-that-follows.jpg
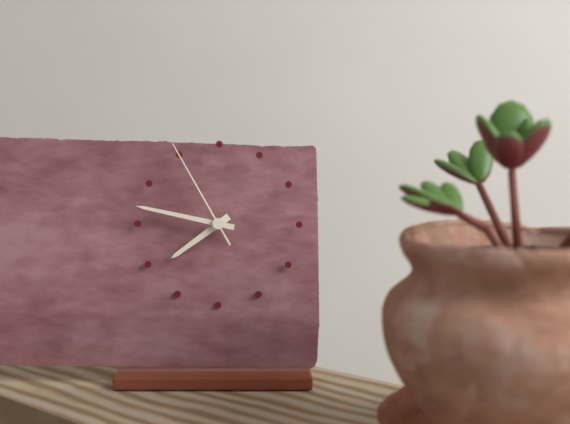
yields 7h47m55s
